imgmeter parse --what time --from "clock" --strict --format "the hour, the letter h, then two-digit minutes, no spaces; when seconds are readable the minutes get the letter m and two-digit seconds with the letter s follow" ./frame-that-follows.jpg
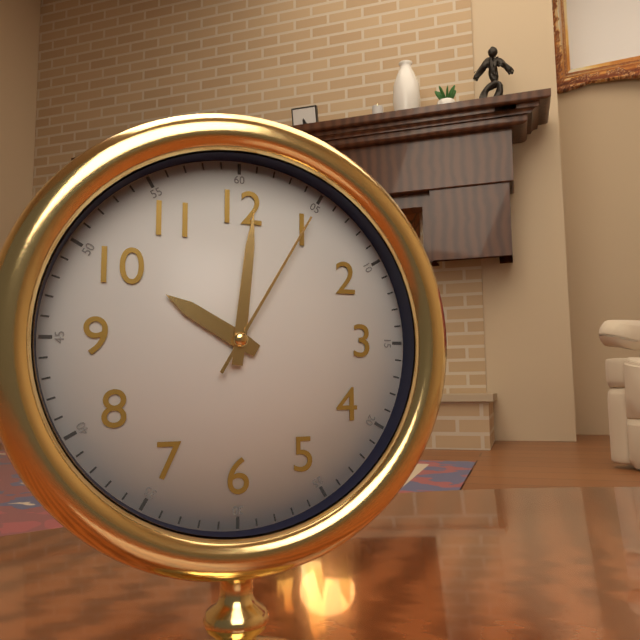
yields 10h01m05s
